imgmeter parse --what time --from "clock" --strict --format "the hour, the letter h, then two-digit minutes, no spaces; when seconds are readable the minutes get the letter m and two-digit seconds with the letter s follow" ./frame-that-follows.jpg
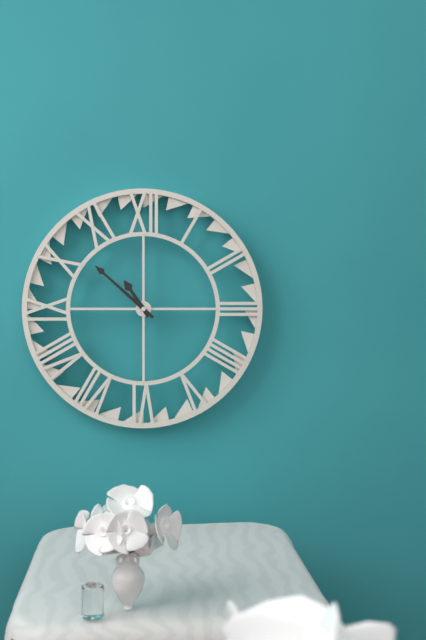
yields 10h52
